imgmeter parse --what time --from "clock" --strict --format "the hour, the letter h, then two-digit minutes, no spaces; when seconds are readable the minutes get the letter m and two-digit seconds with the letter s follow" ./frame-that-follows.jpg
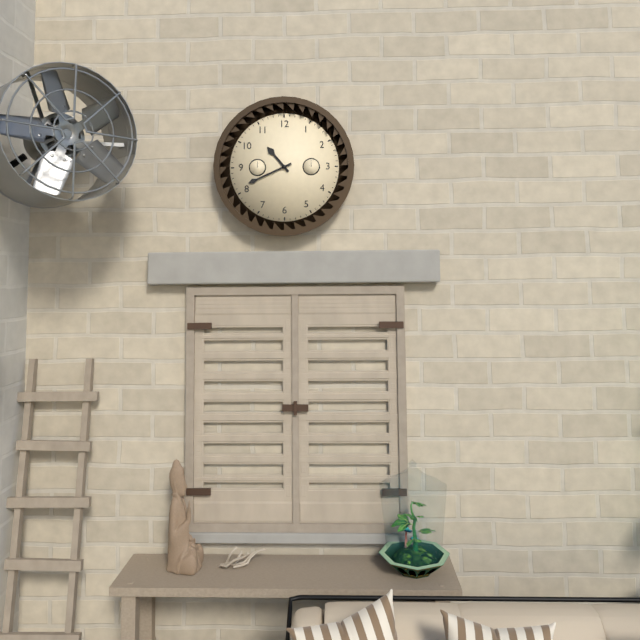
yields 10h41
